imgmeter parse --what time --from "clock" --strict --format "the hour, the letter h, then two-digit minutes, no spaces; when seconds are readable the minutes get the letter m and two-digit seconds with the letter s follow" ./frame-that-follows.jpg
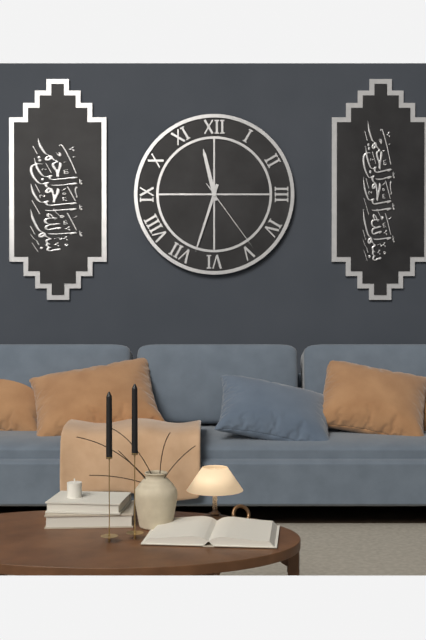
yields 11h33m24s
